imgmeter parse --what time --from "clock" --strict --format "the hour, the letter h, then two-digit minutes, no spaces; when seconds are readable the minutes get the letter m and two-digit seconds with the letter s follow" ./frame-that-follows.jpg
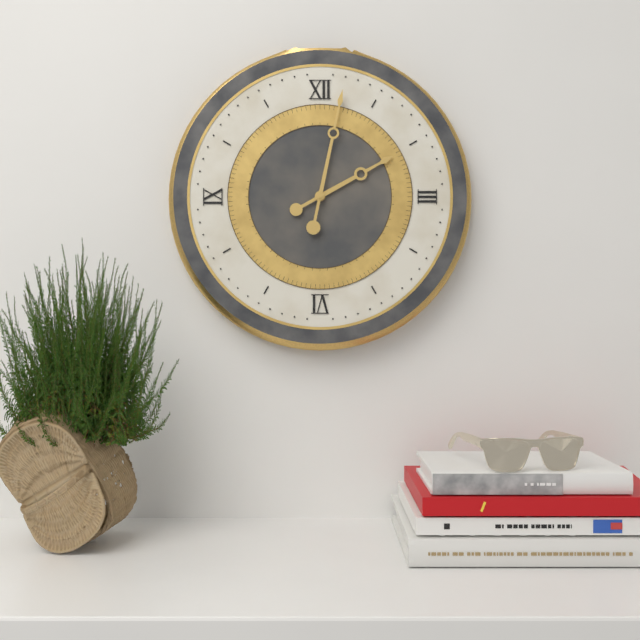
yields 2h02
